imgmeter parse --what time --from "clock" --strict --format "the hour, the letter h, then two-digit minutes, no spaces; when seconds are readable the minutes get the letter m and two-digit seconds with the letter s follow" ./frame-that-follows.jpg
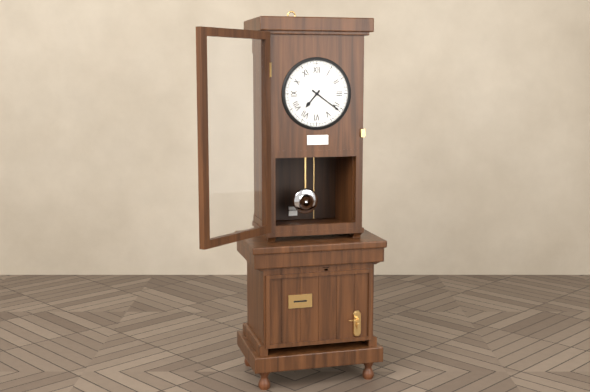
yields 7h21
